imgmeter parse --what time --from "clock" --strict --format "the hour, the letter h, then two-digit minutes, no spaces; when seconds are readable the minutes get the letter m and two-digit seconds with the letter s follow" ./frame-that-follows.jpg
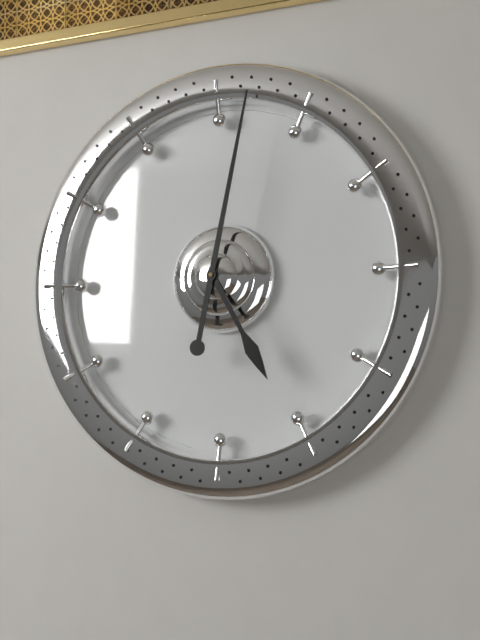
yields 5h02
